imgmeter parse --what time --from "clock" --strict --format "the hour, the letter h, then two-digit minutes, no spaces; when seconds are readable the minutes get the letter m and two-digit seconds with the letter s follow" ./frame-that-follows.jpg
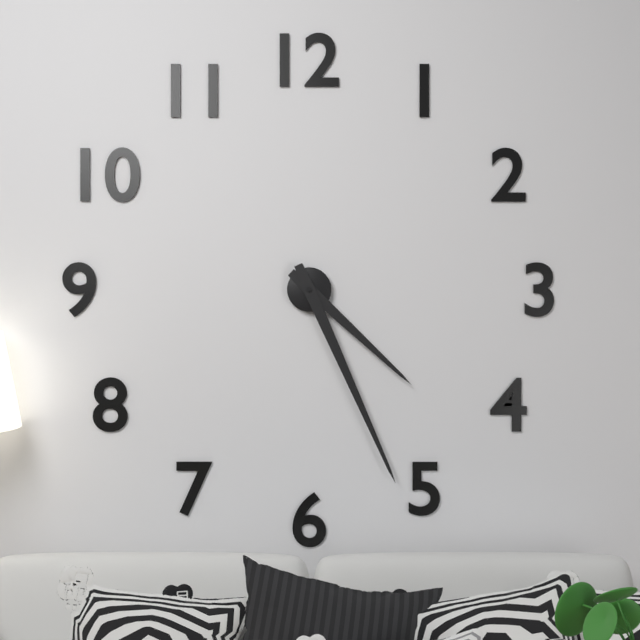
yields 4h26
